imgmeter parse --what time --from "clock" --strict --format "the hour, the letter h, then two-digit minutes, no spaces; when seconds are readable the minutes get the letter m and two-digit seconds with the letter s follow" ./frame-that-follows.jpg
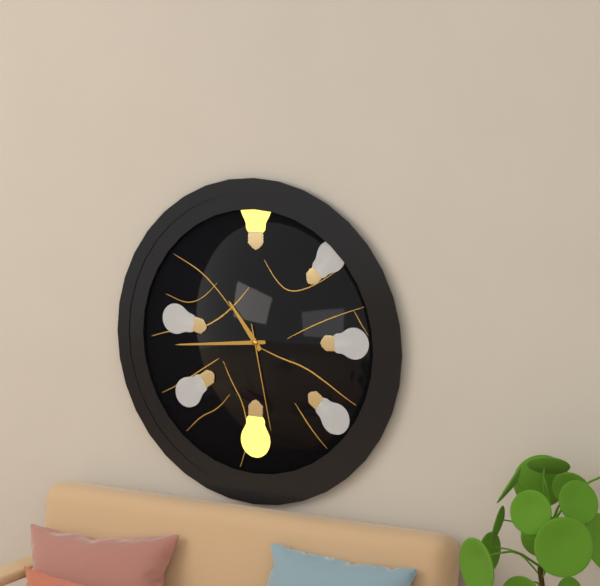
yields 10h44m28s
